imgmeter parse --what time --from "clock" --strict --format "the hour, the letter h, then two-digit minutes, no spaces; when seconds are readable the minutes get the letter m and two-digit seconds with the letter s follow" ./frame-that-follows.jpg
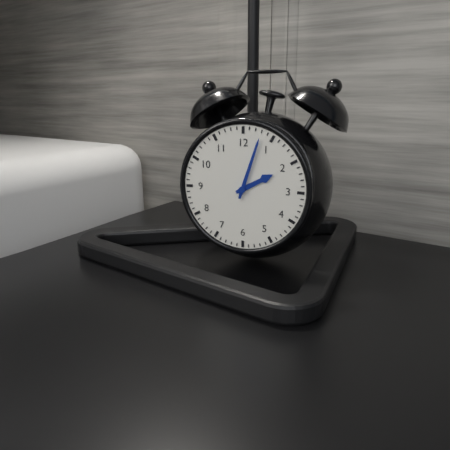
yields 2h03
